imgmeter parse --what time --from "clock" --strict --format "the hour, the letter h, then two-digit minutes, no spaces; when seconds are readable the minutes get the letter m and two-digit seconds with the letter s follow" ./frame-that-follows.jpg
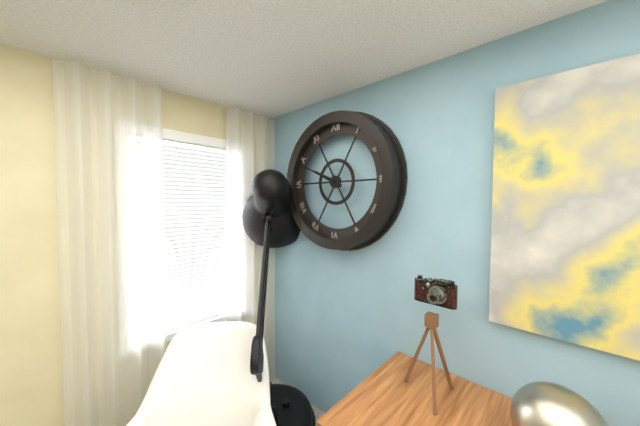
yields 9h49
